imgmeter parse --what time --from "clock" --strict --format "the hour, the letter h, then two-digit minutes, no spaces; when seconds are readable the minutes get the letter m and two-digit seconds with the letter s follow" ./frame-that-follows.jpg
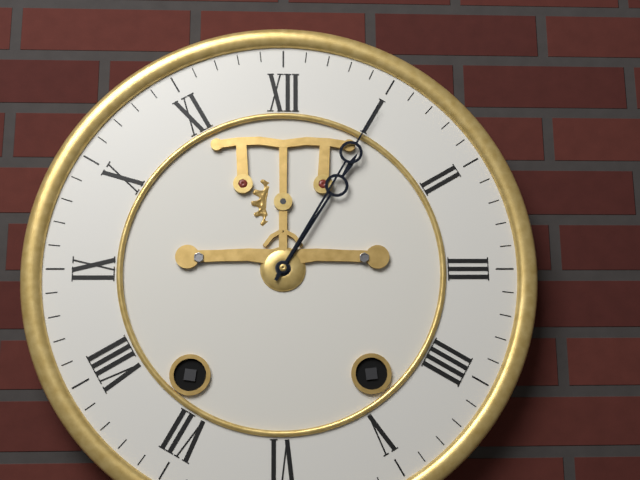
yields 1h05
